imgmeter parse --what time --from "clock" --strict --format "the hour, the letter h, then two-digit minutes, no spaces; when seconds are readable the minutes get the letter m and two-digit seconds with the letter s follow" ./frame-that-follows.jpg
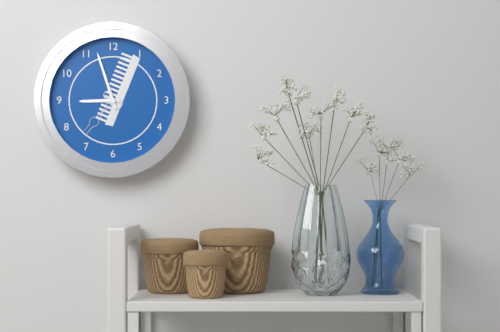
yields 8h57
